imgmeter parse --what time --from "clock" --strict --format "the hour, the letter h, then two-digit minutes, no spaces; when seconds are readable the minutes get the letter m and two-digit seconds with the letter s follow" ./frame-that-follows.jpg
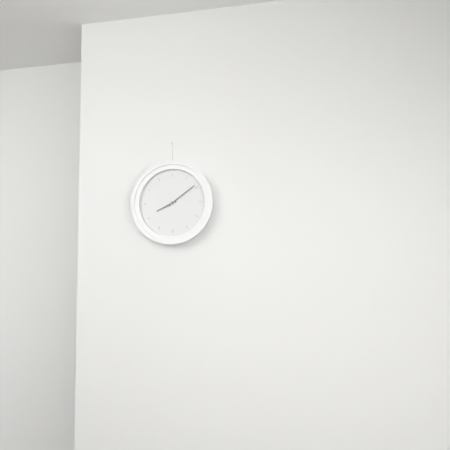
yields 8h09
